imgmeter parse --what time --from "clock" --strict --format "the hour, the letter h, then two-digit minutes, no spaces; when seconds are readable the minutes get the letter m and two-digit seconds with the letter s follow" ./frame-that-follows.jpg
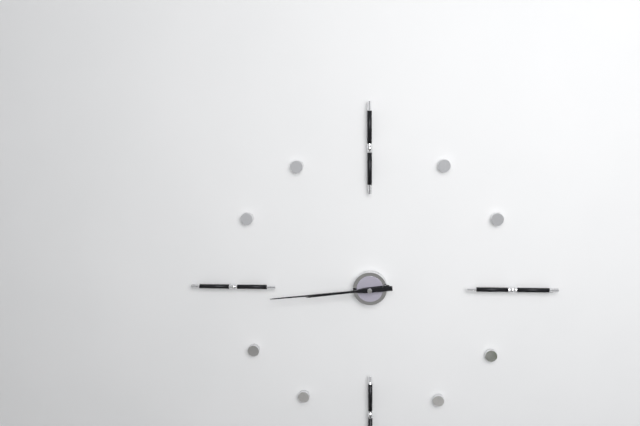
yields 8h44
